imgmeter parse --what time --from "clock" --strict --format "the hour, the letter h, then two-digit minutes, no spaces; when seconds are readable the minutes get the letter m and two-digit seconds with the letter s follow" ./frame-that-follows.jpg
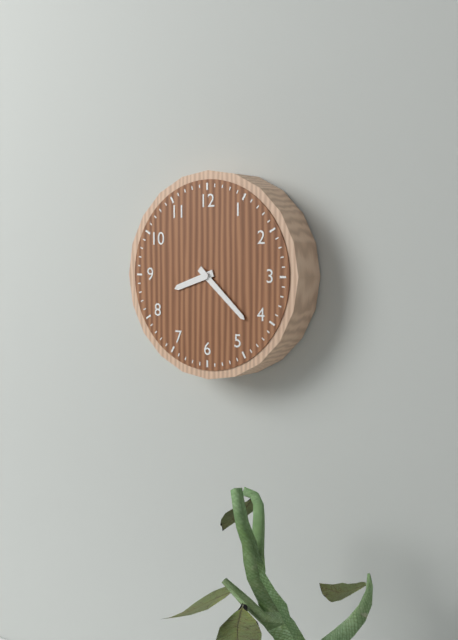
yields 8h22
